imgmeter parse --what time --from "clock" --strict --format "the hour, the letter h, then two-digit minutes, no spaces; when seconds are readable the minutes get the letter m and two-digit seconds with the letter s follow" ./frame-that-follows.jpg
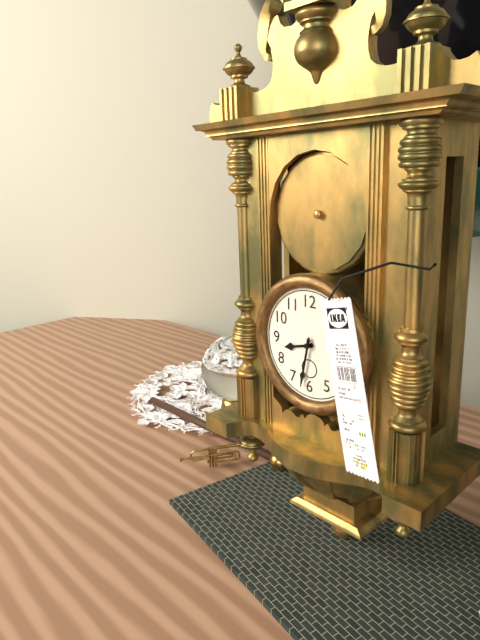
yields 8h32
